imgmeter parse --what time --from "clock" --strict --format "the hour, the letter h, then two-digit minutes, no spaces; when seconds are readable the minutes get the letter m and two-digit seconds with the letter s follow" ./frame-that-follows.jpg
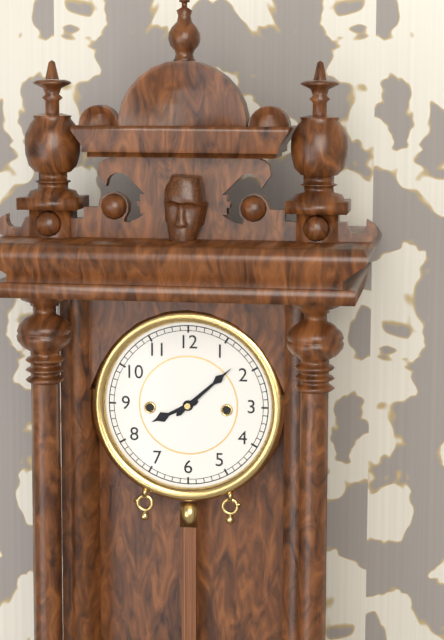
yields 8h08
